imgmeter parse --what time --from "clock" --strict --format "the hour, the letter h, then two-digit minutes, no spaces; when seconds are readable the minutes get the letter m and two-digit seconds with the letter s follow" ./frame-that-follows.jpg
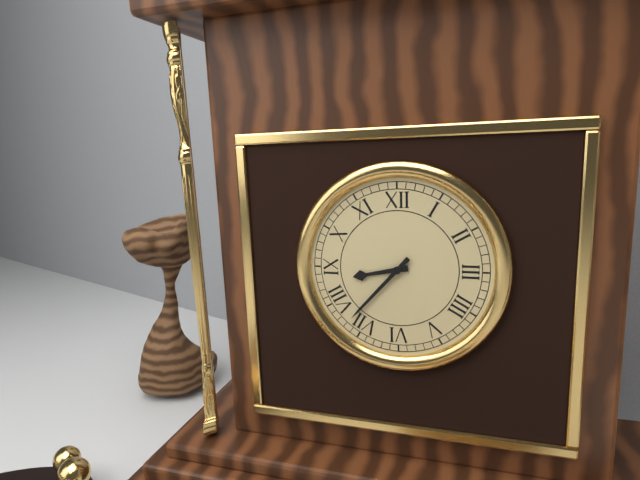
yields 8h37
